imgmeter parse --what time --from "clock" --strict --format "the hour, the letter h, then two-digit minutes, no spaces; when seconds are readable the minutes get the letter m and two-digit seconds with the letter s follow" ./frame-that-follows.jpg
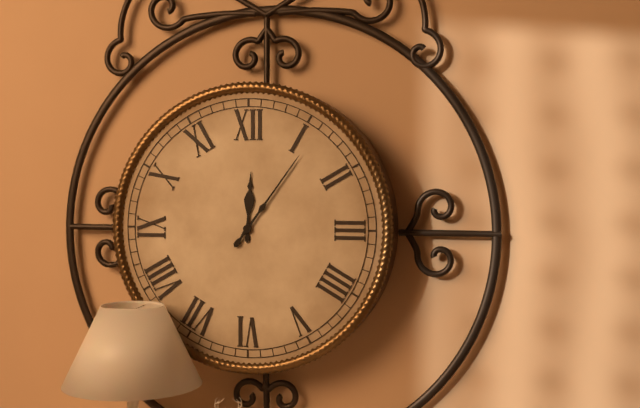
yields 12h06
